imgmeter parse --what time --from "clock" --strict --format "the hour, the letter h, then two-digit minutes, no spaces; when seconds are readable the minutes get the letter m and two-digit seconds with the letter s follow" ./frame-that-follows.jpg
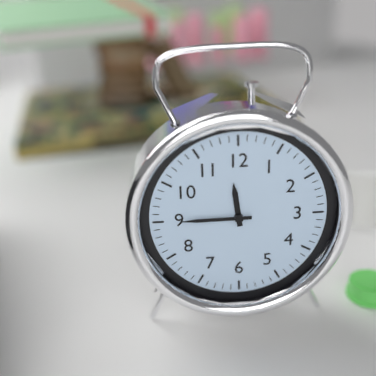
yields 11h45
